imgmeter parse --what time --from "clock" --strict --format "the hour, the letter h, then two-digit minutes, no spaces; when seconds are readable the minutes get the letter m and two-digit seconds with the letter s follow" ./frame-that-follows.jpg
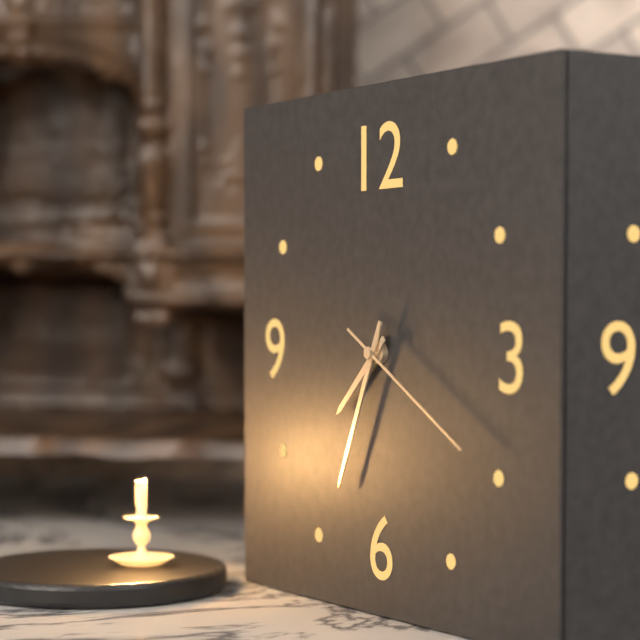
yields 7h34m20s
